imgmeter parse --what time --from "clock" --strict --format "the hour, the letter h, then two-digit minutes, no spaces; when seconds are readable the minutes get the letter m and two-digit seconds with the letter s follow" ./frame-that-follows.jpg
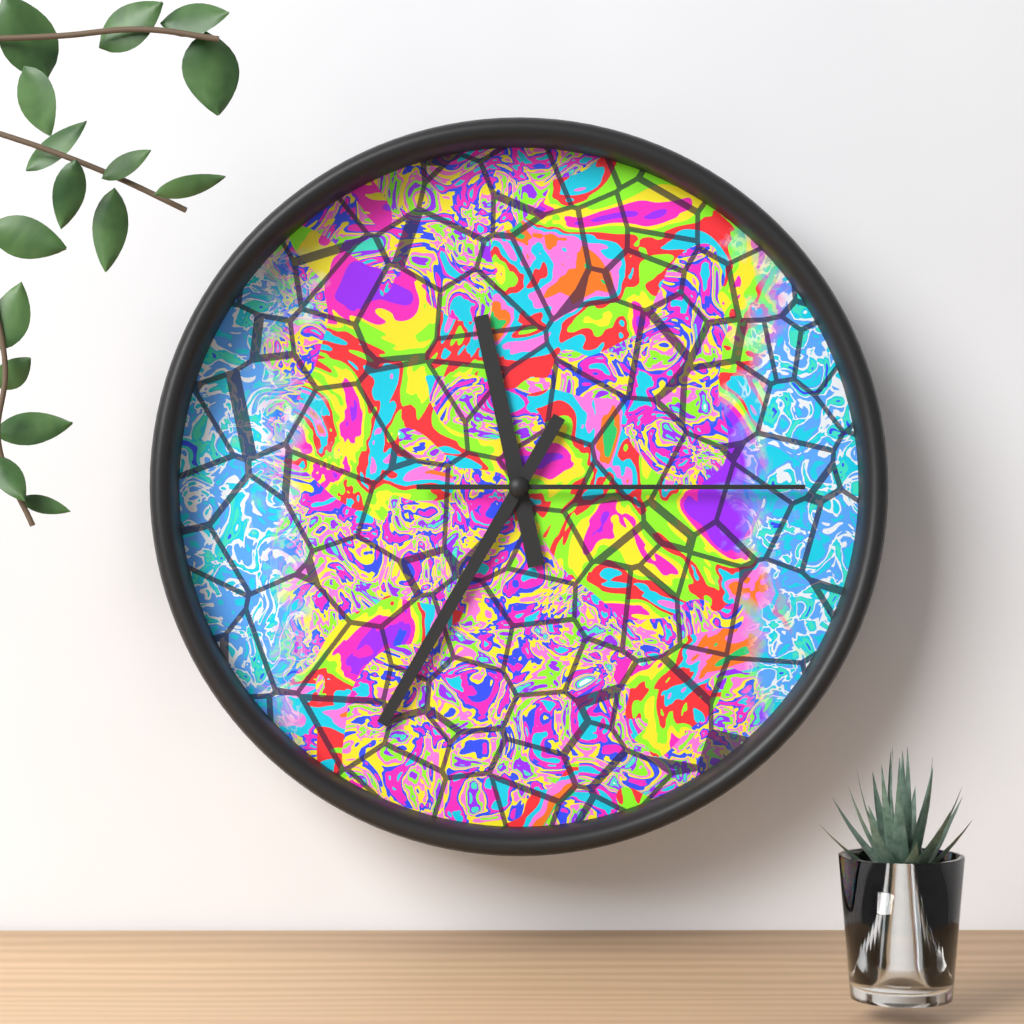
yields 11h35m15s
